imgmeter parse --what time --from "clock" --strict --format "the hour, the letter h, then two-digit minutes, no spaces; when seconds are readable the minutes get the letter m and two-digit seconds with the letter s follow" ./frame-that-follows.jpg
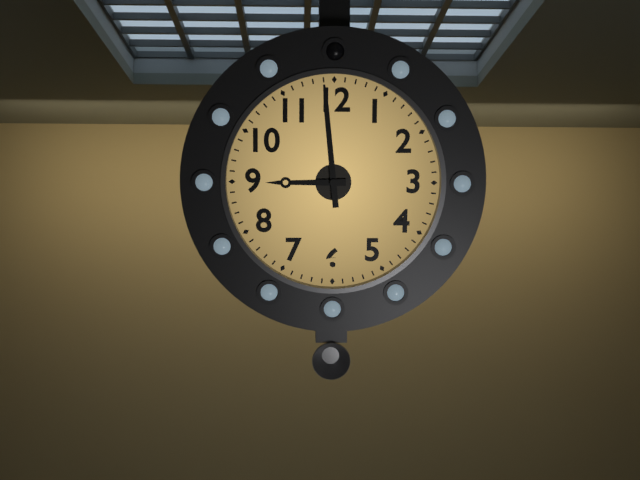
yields 8h59
